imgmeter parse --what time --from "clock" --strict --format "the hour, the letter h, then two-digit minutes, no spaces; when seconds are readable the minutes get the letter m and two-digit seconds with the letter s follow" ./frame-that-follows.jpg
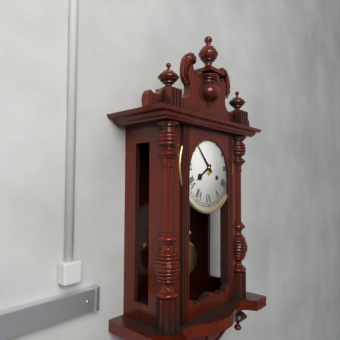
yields 7h53
